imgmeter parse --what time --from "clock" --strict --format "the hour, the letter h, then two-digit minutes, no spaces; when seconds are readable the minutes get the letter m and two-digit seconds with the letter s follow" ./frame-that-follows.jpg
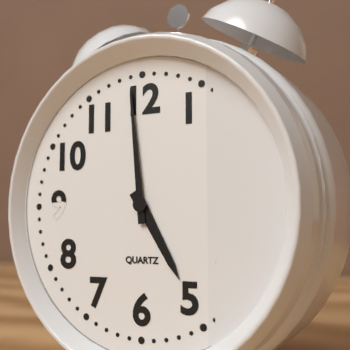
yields 4h59
